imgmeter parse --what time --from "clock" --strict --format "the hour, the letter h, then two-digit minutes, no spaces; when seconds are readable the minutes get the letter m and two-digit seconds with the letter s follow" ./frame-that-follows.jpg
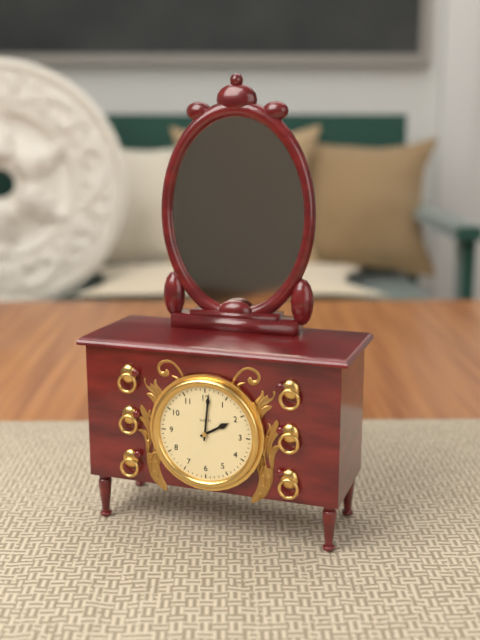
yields 2h01
